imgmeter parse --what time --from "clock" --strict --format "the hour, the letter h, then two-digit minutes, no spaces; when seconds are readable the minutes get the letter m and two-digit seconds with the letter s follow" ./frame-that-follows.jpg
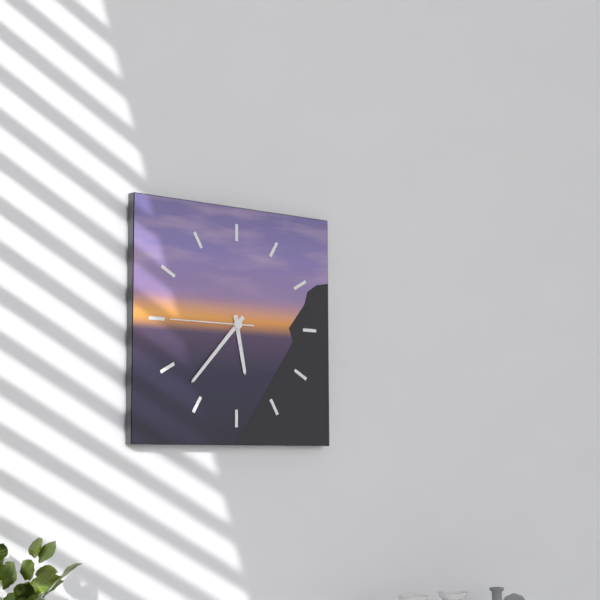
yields 5h37m45s
